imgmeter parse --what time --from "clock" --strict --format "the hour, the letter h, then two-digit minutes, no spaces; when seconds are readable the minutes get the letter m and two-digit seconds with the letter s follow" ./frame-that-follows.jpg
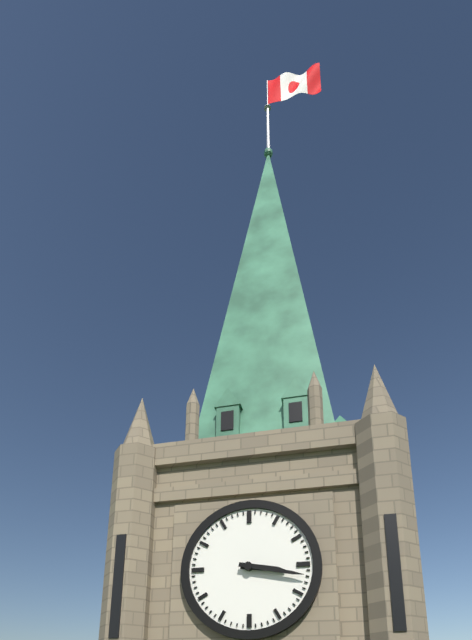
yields 3h17
